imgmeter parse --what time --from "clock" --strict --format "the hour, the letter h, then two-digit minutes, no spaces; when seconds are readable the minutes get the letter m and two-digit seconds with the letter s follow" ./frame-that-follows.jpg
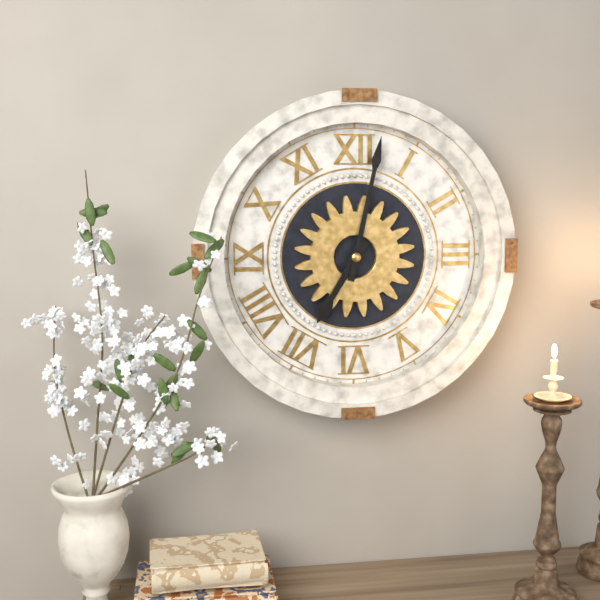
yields 7h02
